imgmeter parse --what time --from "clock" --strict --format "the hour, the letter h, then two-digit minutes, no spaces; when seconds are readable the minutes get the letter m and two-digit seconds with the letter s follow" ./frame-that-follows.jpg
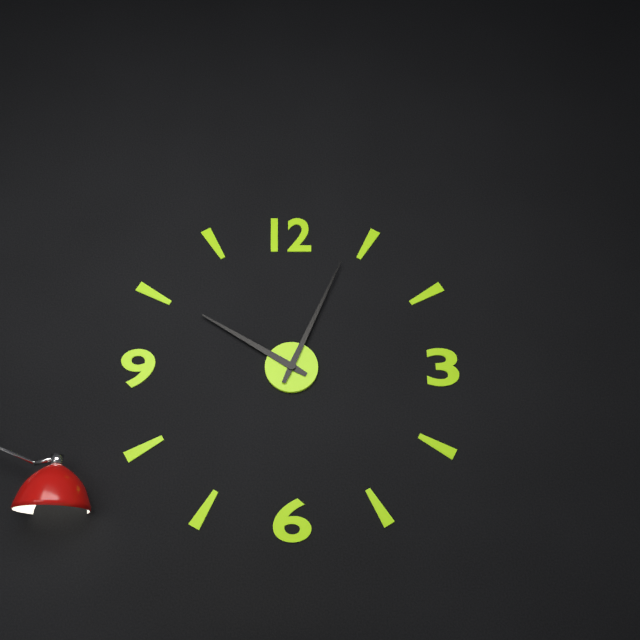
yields 10h04
